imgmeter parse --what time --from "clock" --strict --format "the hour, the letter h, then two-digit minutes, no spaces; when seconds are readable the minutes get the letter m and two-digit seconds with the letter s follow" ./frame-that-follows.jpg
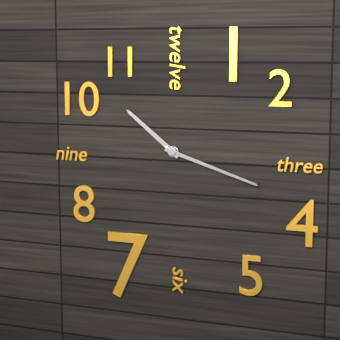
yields 10h18
